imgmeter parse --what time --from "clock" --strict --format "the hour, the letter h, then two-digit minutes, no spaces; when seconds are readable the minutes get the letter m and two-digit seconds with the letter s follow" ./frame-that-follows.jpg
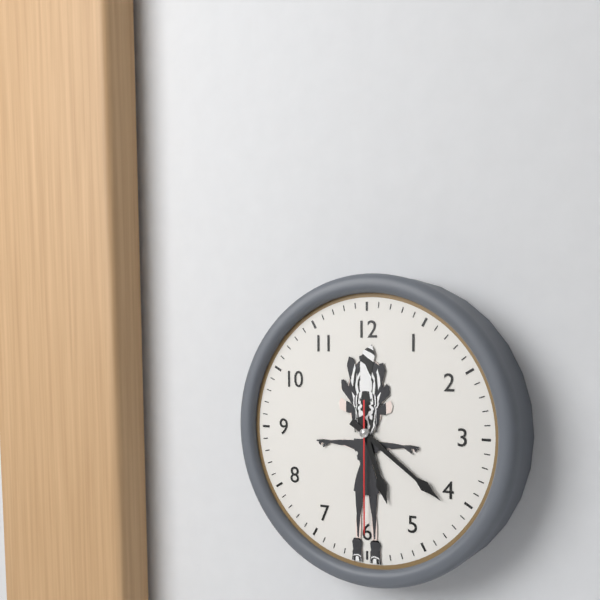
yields 5h21m30s
